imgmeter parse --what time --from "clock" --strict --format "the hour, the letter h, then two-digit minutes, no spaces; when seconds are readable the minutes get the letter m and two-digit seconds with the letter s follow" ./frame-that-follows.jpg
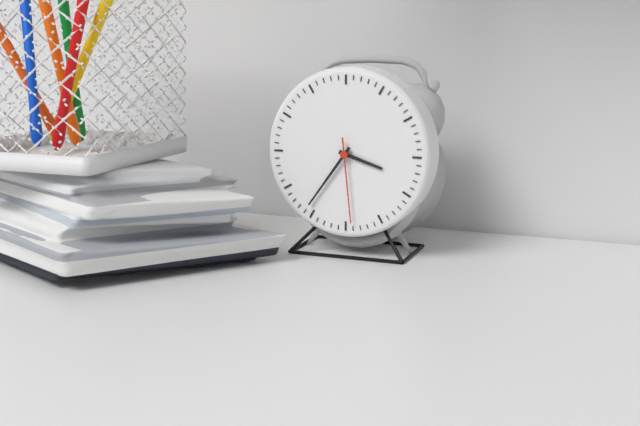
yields 3h36m29s
